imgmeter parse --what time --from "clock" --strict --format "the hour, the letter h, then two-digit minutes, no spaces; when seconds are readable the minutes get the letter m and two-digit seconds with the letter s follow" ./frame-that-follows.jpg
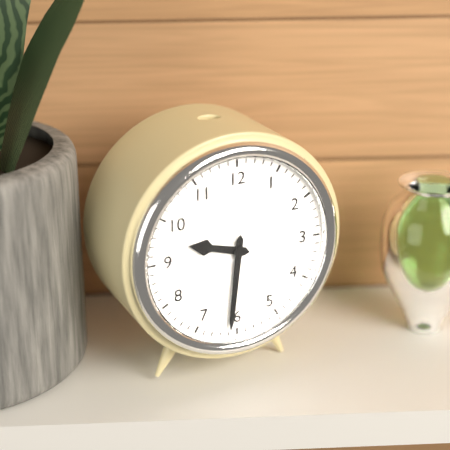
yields 9h31
